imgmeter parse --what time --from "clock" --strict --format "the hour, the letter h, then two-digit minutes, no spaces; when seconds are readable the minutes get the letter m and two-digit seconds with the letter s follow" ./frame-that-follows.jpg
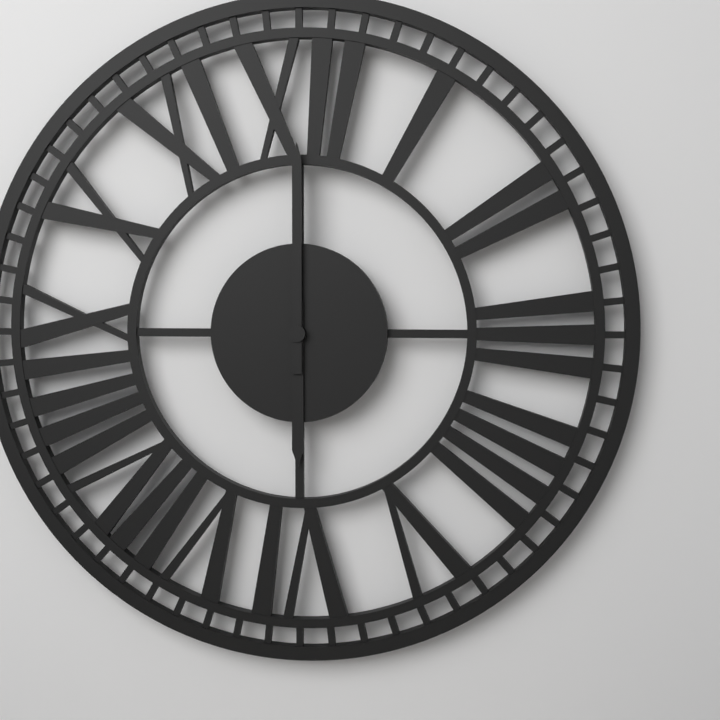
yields 6h00
